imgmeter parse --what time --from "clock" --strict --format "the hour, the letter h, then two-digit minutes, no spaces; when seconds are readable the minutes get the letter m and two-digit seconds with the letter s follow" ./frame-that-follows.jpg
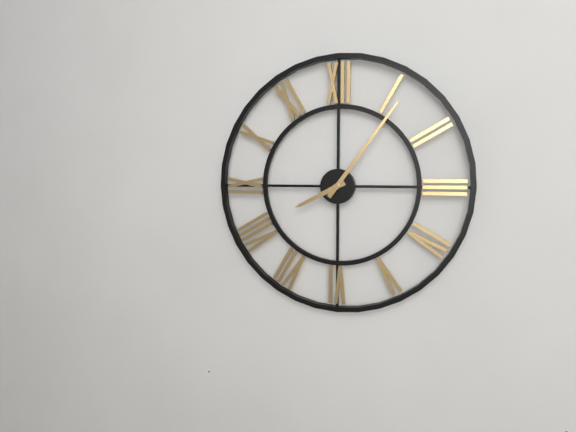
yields 8h06
